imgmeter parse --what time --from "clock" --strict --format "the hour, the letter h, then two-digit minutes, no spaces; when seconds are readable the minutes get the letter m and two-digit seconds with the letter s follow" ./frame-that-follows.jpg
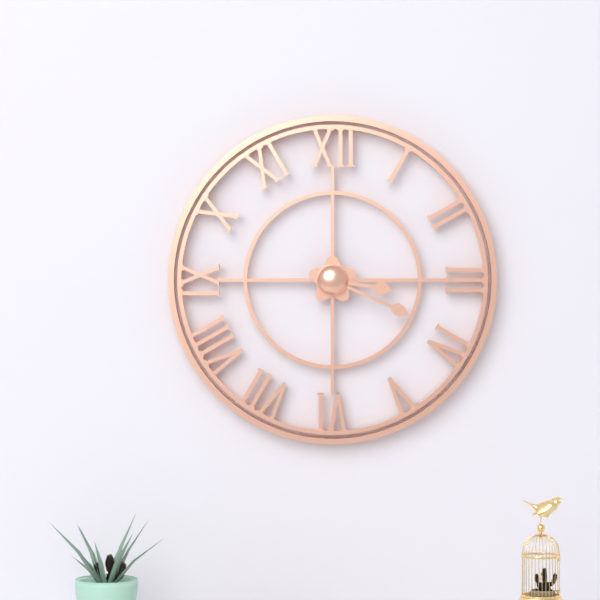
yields 3h19
